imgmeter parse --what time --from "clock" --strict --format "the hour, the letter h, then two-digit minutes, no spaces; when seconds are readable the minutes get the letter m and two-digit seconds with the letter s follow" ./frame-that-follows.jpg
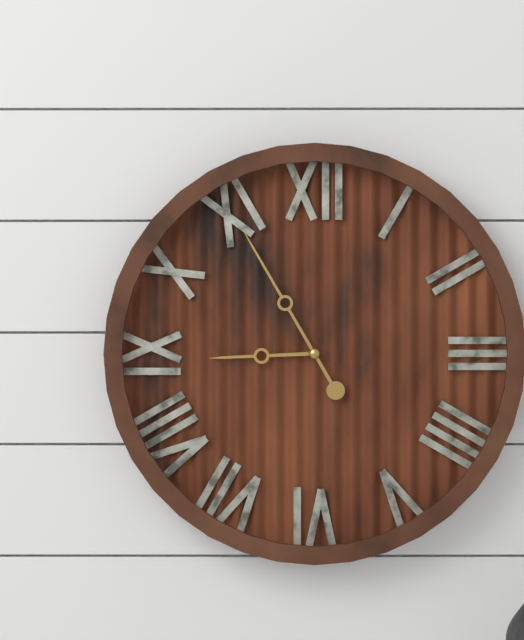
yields 8h55
